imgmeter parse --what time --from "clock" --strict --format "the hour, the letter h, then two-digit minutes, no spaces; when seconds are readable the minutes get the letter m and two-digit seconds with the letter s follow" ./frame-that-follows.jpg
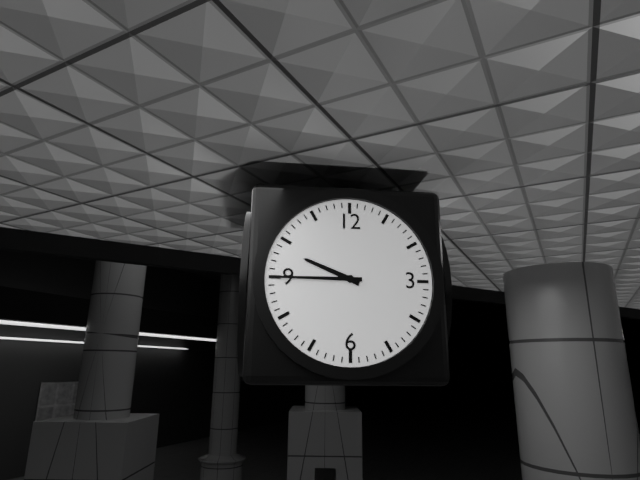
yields 9h45
